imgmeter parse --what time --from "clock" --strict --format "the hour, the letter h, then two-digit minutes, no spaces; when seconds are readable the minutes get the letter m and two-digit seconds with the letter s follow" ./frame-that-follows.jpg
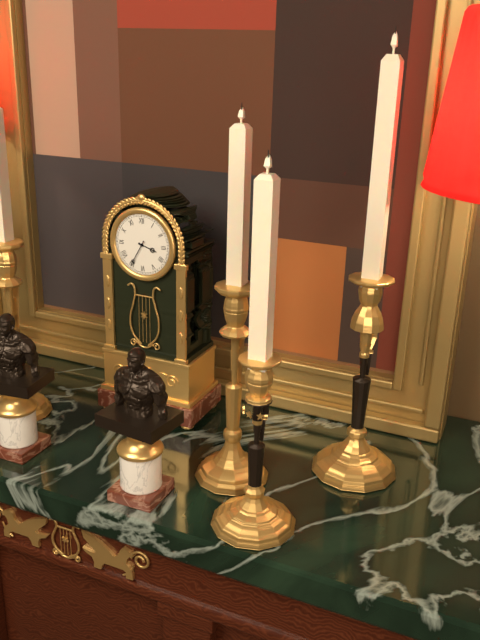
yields 3h35
